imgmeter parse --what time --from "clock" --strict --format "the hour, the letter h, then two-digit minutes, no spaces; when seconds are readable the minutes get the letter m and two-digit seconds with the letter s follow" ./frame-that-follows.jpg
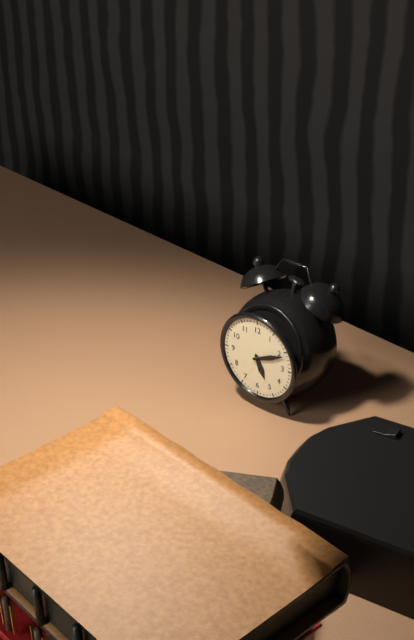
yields 5h11
